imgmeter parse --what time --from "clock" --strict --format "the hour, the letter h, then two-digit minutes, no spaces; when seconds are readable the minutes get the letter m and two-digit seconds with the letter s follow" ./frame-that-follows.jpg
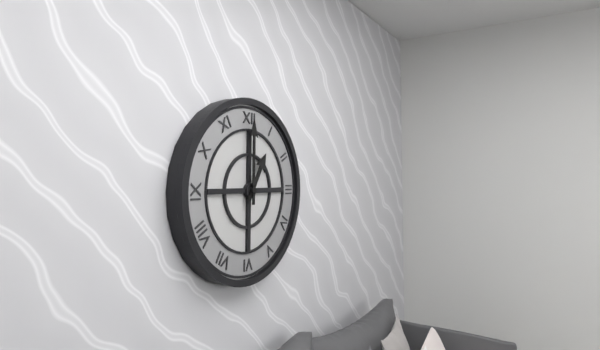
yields 1h00
